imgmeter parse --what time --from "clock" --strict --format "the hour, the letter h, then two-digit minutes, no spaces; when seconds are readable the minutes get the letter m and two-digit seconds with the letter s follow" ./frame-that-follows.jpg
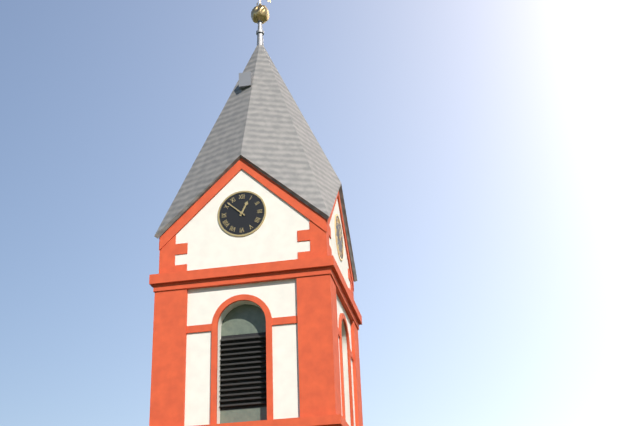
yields 12h52
